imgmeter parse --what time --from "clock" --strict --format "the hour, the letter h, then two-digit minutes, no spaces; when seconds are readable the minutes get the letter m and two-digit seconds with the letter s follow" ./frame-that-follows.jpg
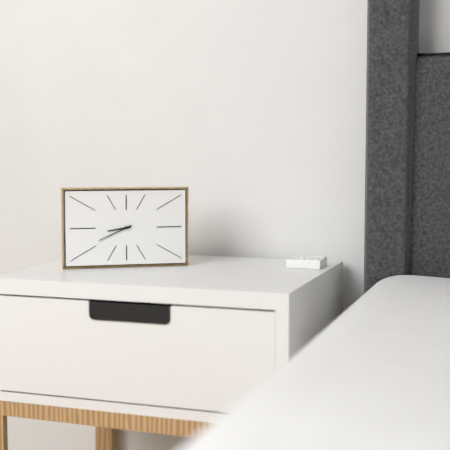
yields 8h41
